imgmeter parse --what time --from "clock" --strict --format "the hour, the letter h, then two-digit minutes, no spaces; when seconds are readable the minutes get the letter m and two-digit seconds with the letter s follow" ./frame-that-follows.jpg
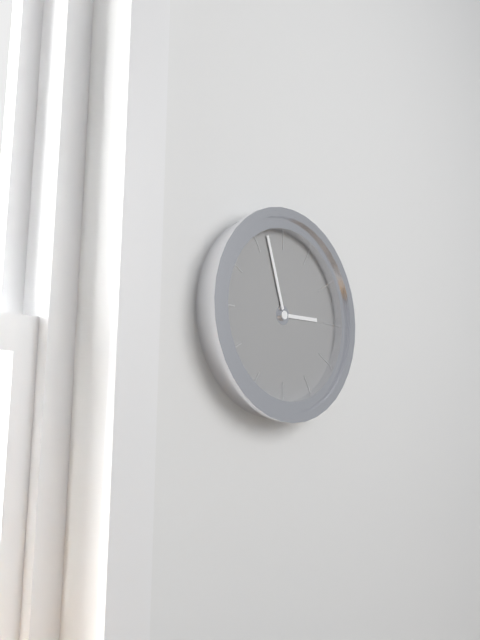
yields 2h57
